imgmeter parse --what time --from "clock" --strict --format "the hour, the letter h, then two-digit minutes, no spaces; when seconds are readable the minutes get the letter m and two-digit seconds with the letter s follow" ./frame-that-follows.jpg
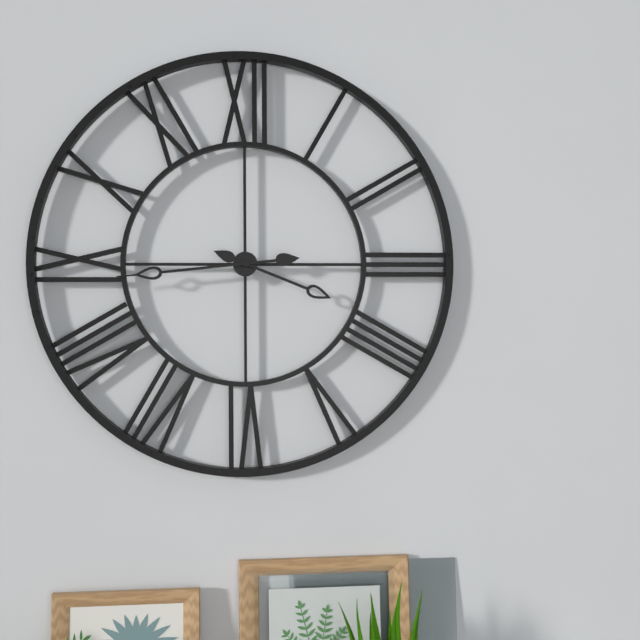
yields 3h44
